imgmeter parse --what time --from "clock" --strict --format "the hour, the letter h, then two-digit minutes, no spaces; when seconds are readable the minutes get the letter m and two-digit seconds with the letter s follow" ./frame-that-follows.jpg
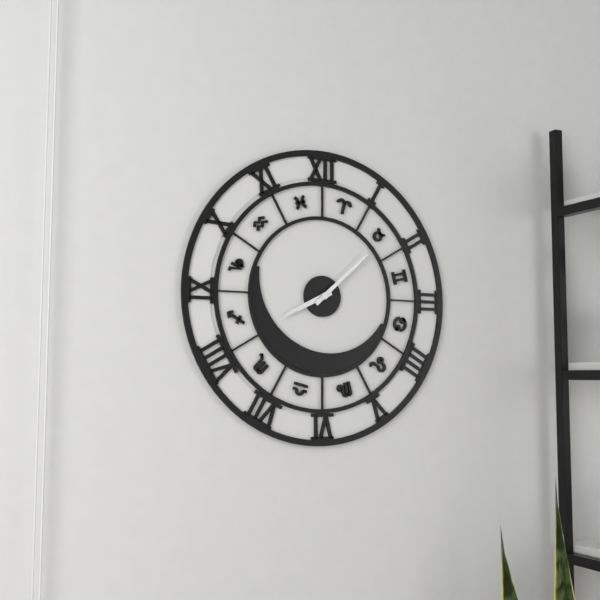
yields 8h08
